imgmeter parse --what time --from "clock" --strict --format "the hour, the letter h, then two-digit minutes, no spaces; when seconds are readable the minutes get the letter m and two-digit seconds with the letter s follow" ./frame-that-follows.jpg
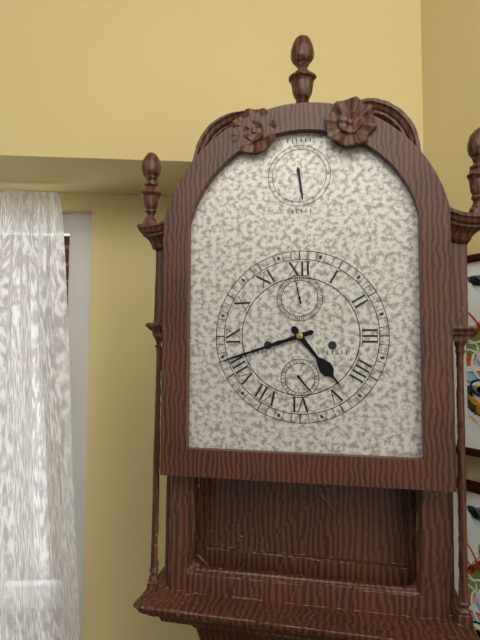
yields 4h42
